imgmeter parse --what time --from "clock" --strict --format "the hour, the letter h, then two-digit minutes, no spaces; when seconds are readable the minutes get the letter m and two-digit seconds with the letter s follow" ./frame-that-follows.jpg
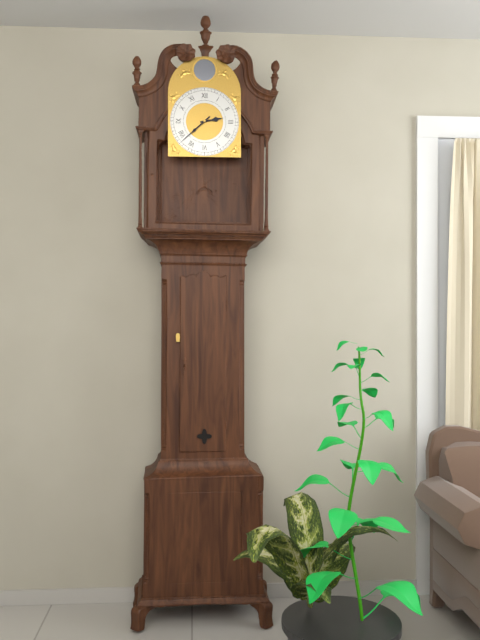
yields 2h38
